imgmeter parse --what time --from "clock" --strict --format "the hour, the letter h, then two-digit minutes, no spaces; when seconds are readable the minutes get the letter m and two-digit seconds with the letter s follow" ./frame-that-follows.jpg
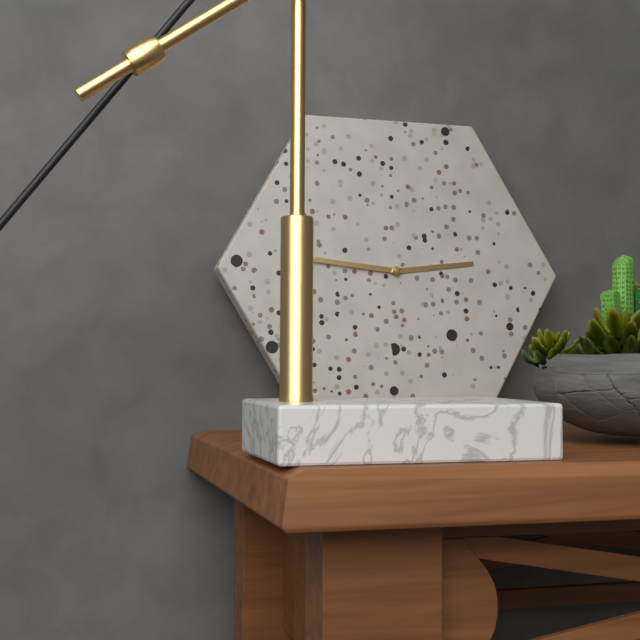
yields 2h46
